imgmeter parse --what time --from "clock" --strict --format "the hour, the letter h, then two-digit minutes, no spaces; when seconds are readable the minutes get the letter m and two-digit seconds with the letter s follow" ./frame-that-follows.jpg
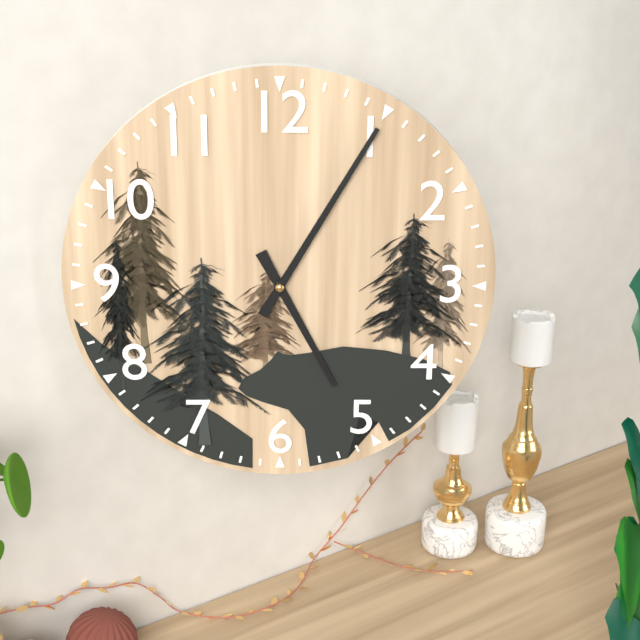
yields 5h05
